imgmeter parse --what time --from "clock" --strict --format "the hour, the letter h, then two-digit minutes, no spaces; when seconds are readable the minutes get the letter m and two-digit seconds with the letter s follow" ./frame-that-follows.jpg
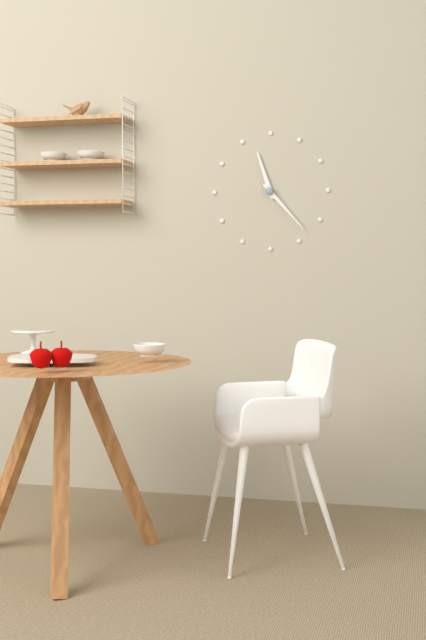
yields 11h23
